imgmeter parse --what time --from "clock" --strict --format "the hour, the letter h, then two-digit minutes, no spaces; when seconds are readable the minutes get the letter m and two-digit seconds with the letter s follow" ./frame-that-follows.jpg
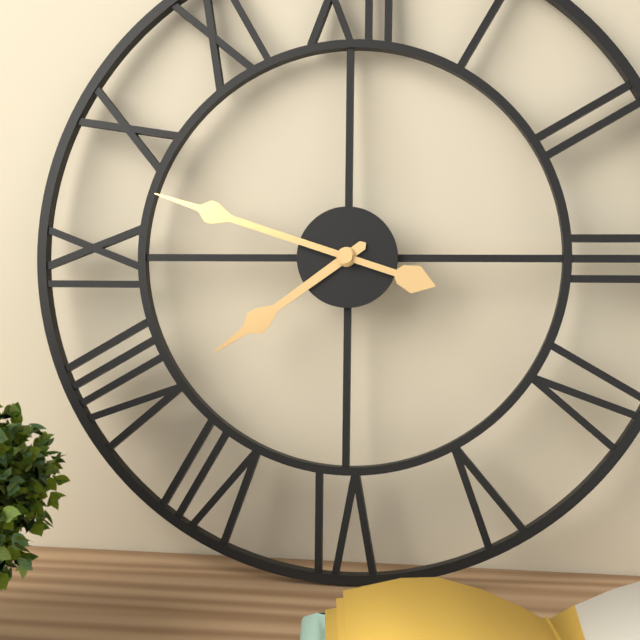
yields 7h48
